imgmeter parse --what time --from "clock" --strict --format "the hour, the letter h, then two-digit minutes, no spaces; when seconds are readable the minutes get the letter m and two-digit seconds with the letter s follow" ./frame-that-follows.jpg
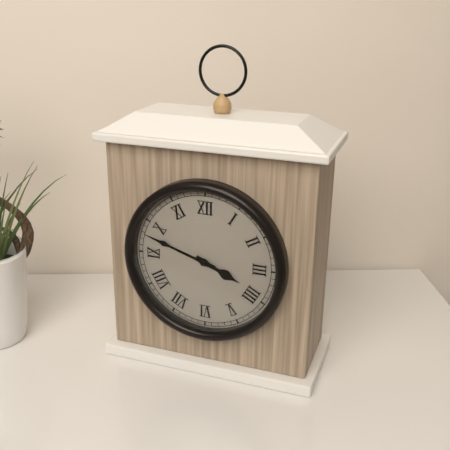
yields 3h48
